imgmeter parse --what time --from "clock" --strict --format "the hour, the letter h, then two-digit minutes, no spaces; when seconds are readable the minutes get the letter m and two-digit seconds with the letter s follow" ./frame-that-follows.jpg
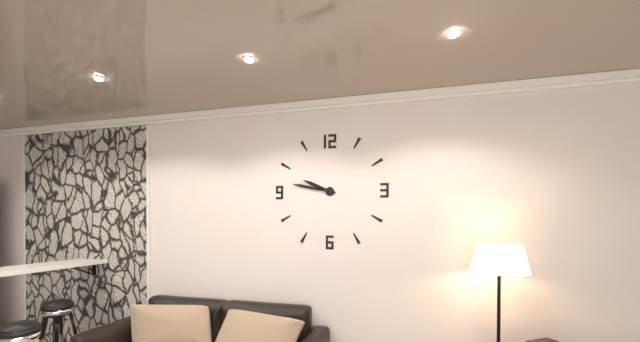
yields 9h47
